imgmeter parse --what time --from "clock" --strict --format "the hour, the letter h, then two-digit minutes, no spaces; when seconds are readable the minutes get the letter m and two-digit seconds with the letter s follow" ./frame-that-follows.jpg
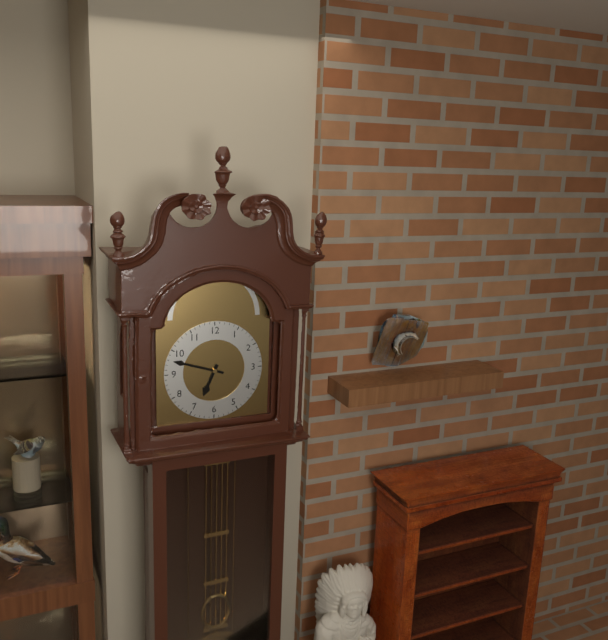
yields 6h48
